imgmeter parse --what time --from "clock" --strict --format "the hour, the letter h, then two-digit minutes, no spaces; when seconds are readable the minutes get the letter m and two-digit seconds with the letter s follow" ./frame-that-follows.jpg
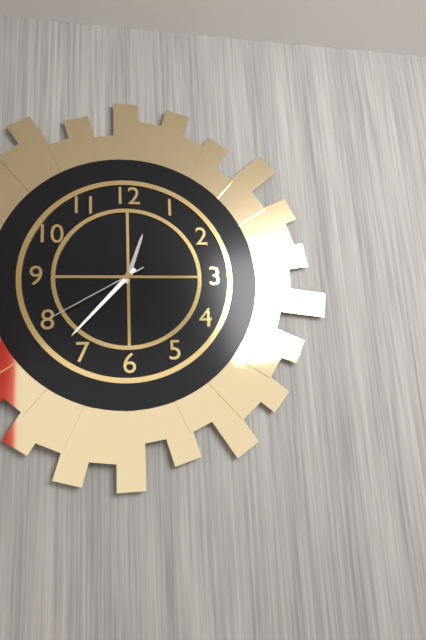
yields 12h37m40s
